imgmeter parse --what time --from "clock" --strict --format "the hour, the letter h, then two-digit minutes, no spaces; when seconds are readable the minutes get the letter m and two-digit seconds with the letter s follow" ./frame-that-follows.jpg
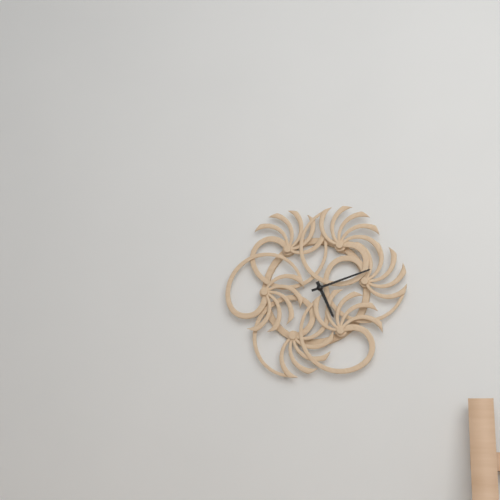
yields 5h12
